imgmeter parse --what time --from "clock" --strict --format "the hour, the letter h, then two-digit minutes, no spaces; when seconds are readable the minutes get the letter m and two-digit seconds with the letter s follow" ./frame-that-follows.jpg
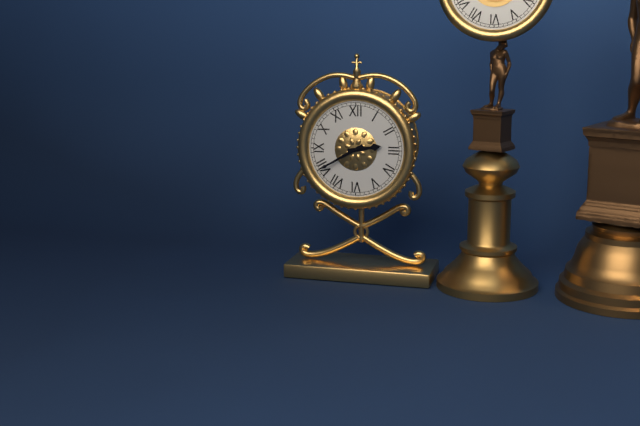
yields 2h40
